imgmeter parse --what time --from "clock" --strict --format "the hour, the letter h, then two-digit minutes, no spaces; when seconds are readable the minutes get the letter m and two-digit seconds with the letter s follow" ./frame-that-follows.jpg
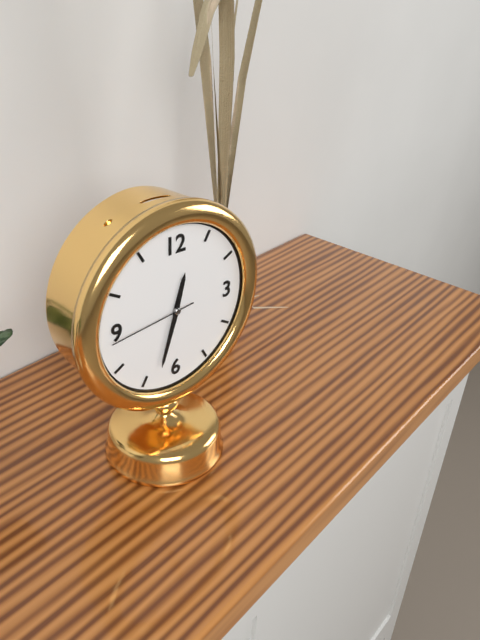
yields 12h33m44s
